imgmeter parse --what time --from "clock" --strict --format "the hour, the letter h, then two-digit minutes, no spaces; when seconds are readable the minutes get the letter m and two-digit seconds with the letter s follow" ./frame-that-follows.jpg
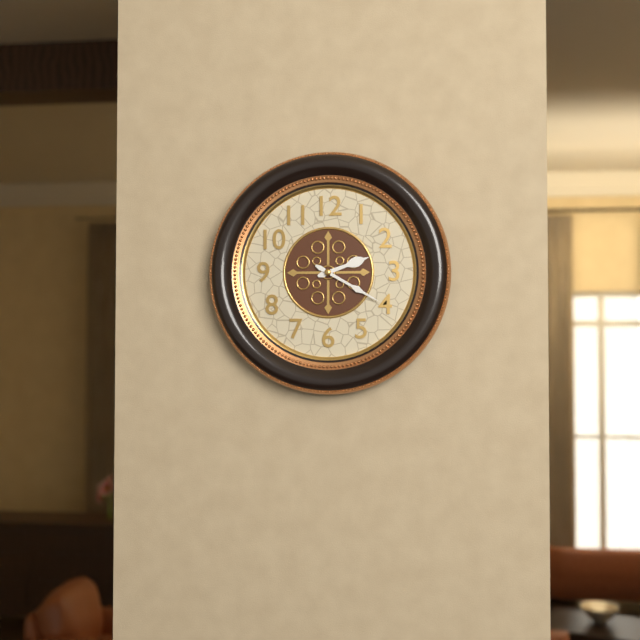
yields 2h20
